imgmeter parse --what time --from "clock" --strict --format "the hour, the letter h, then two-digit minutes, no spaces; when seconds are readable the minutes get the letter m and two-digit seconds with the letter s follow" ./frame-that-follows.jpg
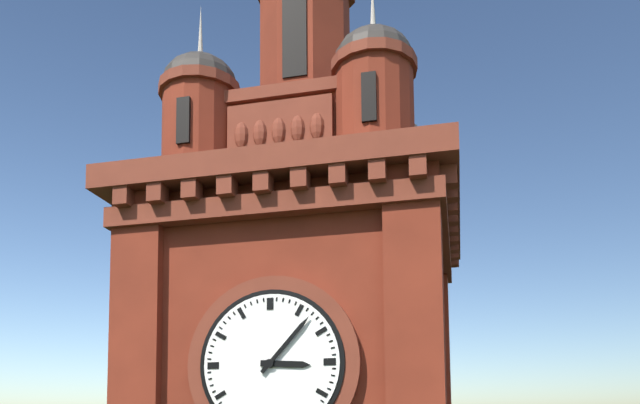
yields 3h07
